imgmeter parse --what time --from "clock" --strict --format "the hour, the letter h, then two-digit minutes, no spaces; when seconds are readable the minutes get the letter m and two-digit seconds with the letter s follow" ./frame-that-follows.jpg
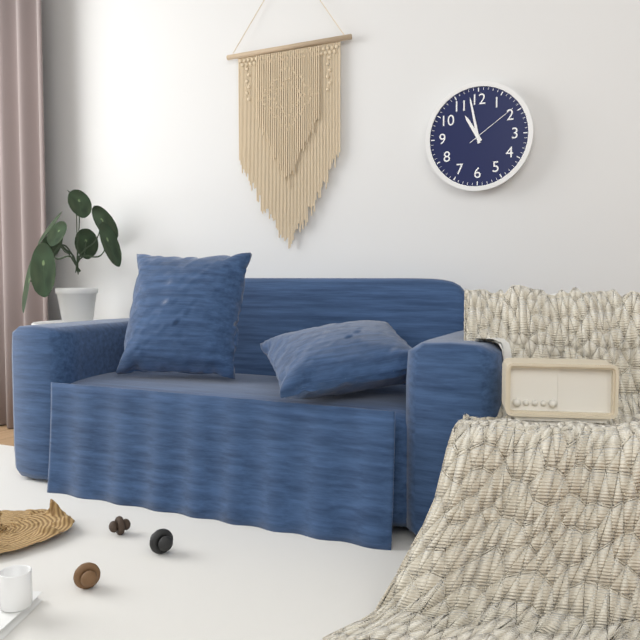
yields 10h58m09s
